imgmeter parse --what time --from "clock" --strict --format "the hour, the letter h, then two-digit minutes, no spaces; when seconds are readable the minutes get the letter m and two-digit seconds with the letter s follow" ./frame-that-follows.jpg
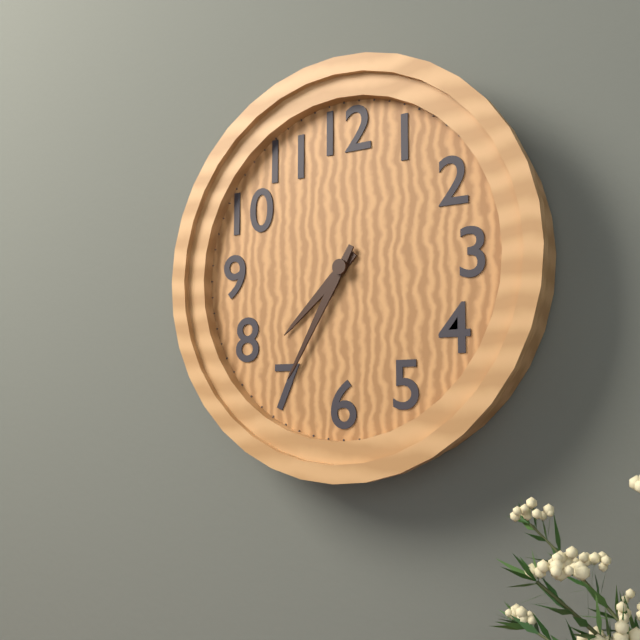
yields 7h35
